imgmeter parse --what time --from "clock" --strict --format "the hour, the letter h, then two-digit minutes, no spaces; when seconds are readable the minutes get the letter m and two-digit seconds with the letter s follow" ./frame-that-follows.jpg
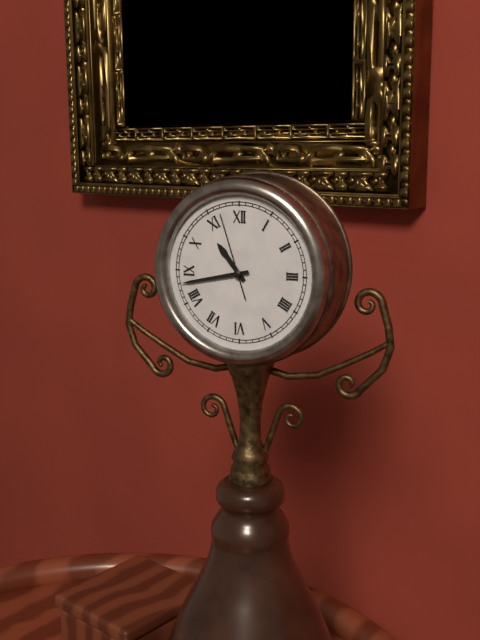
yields 10h43m57s
